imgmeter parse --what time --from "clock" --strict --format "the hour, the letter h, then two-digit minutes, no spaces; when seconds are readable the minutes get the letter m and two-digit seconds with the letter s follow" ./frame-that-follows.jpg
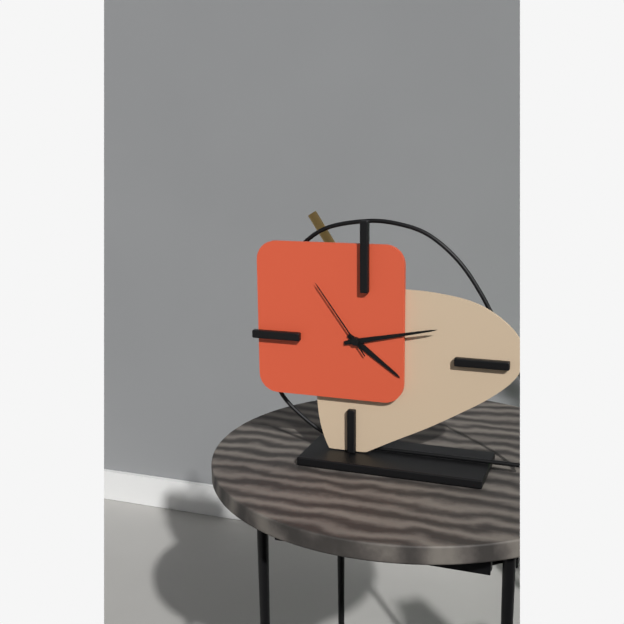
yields 4h13m54s
